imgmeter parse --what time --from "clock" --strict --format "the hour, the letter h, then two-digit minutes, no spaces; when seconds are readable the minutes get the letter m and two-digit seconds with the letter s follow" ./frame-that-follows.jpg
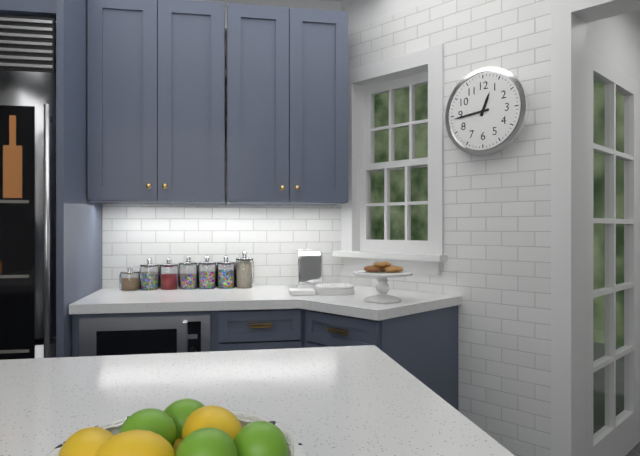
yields 12h44
